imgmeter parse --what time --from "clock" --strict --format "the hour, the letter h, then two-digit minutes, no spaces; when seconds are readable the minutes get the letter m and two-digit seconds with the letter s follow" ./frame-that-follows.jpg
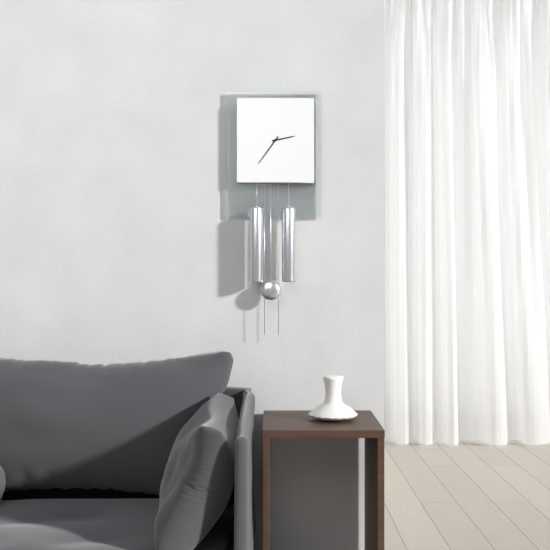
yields 2h36
